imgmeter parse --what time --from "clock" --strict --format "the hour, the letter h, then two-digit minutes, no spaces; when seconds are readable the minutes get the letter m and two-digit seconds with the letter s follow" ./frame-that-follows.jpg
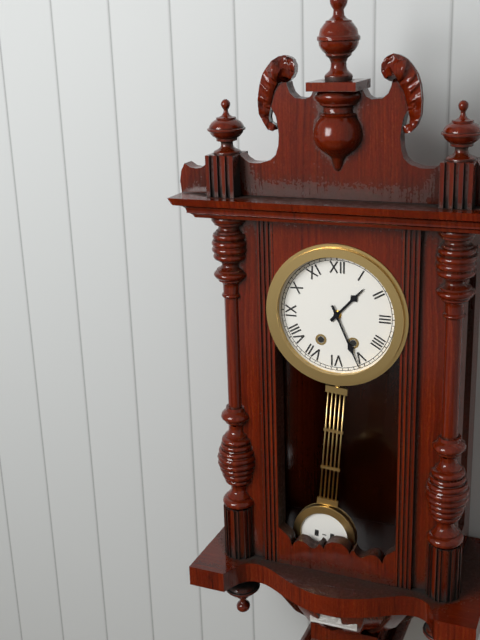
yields 1h26
